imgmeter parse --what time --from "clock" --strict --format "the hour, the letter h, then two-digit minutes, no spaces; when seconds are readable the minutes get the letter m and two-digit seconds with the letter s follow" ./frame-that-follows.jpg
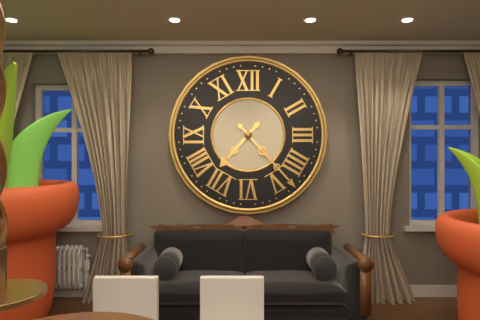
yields 7h23
